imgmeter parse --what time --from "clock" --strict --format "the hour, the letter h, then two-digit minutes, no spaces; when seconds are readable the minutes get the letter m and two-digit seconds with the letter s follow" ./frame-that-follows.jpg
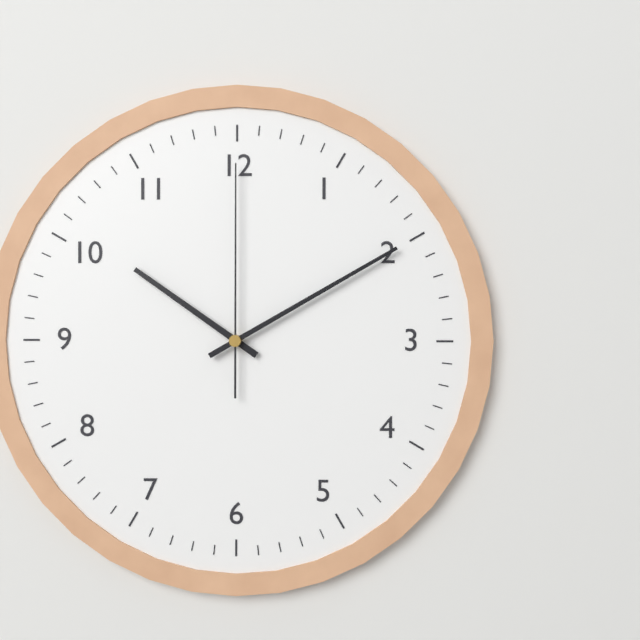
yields 10h10m00s
